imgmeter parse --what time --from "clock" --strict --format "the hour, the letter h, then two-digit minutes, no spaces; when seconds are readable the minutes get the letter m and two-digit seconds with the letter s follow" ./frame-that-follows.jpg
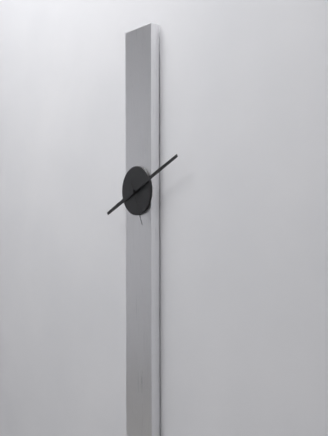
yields 8h11
